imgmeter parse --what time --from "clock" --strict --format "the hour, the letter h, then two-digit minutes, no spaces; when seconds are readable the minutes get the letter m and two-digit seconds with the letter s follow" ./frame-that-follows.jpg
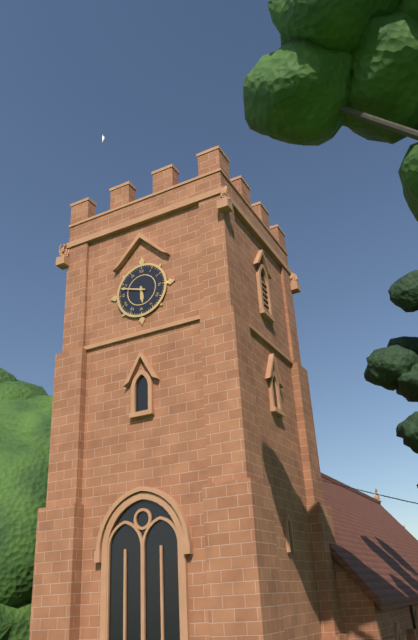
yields 5h48
